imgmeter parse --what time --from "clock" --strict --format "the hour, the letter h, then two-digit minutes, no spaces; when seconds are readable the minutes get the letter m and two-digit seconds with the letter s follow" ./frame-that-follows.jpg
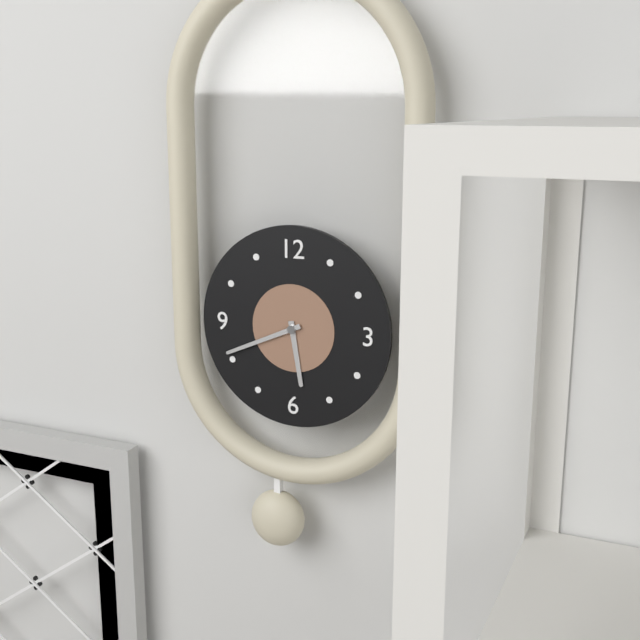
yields 5h41
